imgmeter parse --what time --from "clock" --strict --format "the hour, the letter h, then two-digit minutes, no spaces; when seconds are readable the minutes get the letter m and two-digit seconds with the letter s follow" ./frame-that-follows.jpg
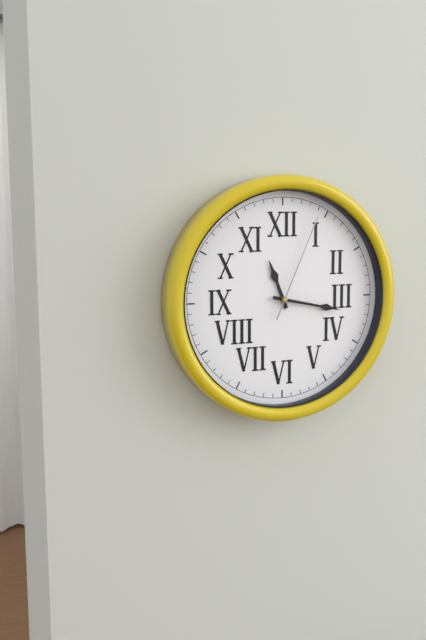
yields 11h17m04s
